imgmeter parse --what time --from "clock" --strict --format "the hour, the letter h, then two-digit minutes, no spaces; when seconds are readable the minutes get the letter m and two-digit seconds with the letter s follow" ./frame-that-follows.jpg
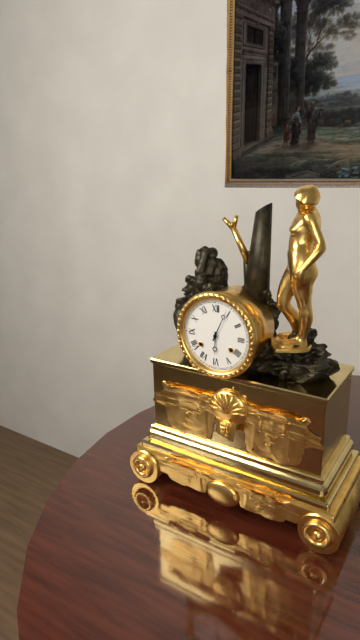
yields 6h04
